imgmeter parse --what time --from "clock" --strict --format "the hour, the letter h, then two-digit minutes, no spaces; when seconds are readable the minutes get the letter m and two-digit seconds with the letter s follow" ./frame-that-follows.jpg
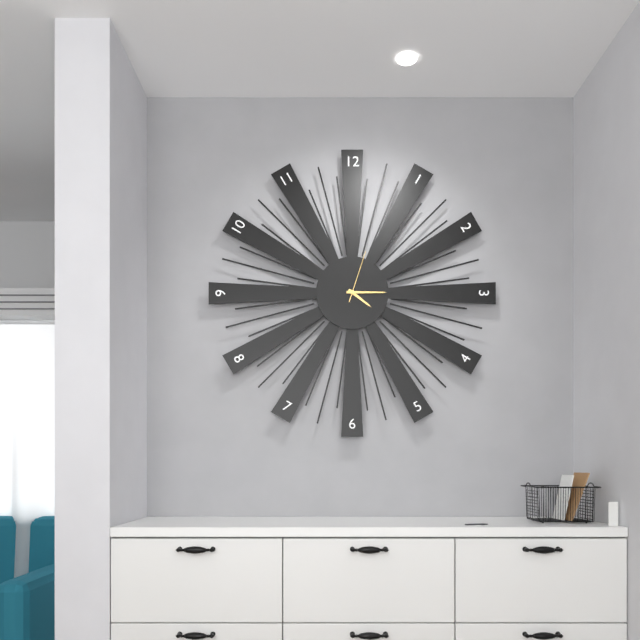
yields 4h15m03s
